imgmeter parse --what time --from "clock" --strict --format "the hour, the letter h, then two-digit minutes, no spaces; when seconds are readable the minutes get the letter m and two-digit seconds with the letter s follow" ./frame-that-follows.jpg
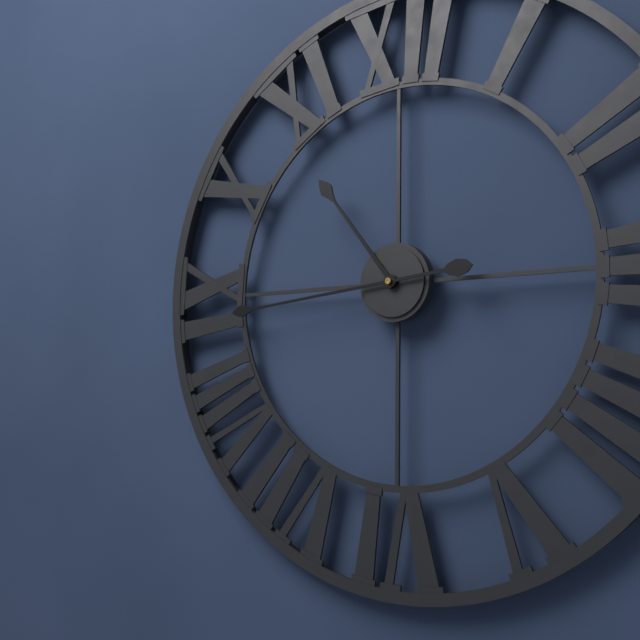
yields 10h44
